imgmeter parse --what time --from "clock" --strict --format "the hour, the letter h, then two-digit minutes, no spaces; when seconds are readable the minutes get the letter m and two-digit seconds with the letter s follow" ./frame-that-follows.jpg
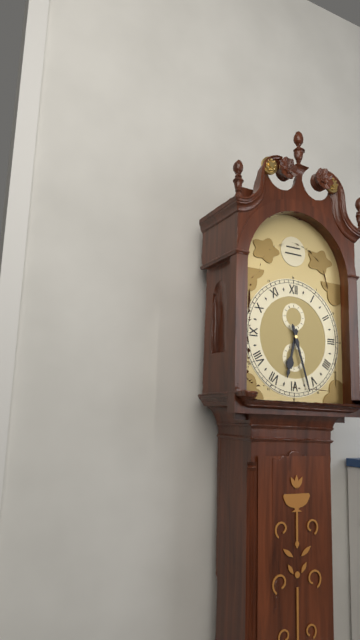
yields 6h27
